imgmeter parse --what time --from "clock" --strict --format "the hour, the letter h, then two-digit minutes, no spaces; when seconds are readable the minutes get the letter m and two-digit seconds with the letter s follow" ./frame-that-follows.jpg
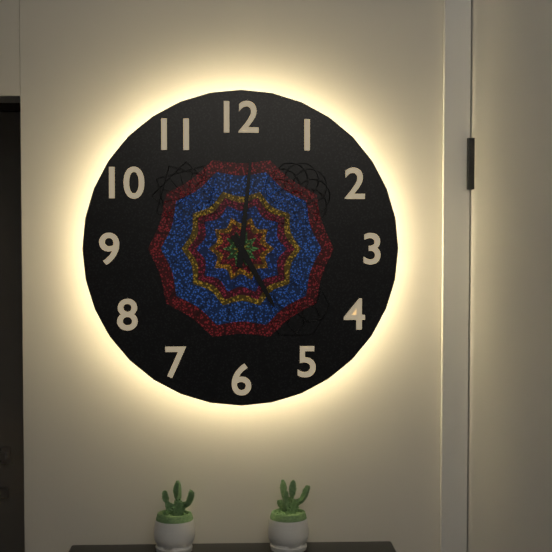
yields 5h01
